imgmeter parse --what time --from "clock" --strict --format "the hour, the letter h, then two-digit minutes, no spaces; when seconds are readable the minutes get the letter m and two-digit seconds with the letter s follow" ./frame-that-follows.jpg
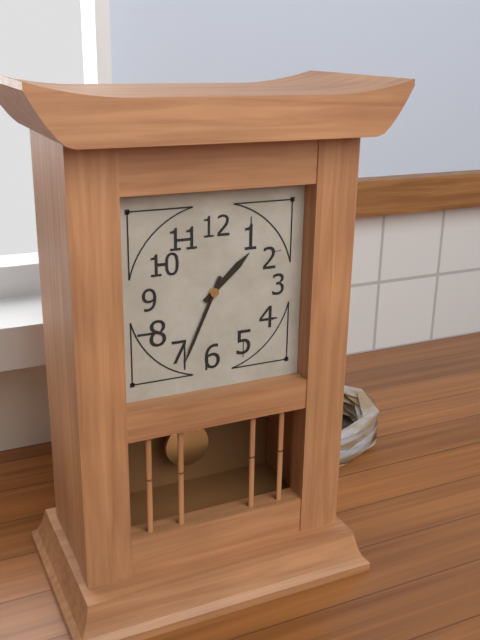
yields 1h34
